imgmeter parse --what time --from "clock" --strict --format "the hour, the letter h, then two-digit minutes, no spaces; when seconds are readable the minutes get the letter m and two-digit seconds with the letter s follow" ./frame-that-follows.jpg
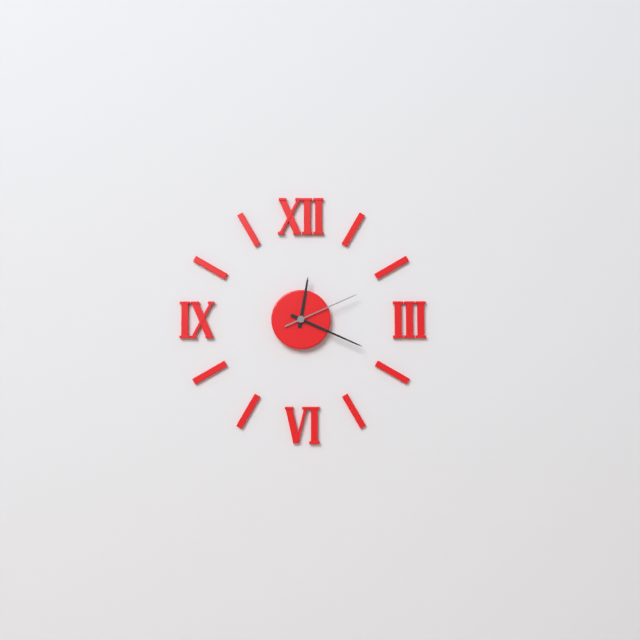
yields 12h19m11s
